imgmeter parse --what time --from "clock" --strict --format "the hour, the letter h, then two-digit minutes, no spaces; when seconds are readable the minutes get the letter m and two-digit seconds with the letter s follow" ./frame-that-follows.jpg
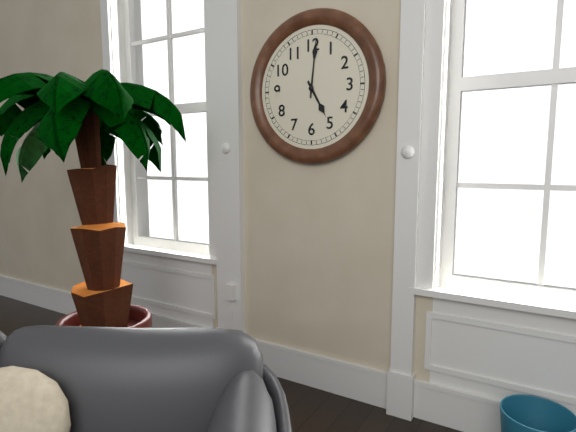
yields 5h01
